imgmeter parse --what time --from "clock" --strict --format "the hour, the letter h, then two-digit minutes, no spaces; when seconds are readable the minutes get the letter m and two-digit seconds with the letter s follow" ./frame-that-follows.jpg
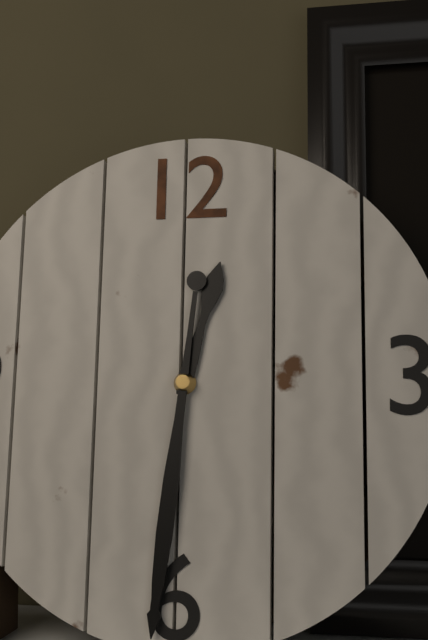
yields 12h31
